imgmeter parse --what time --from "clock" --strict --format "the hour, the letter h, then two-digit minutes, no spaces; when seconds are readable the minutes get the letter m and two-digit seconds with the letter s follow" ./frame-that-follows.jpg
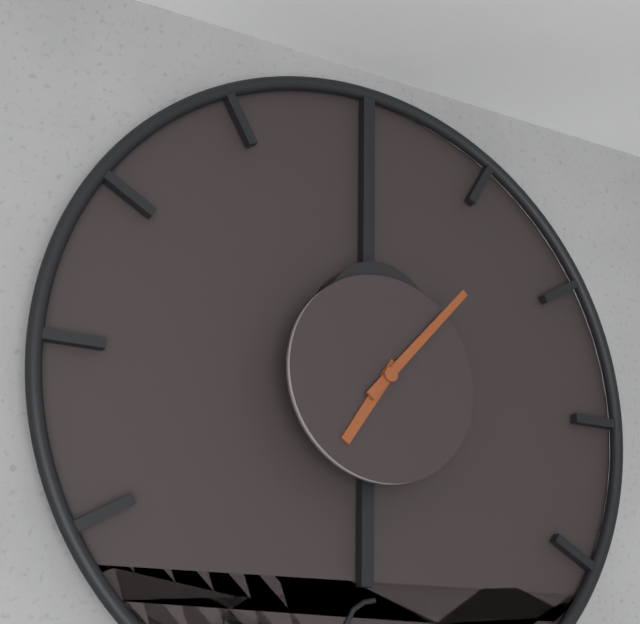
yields 7h07
